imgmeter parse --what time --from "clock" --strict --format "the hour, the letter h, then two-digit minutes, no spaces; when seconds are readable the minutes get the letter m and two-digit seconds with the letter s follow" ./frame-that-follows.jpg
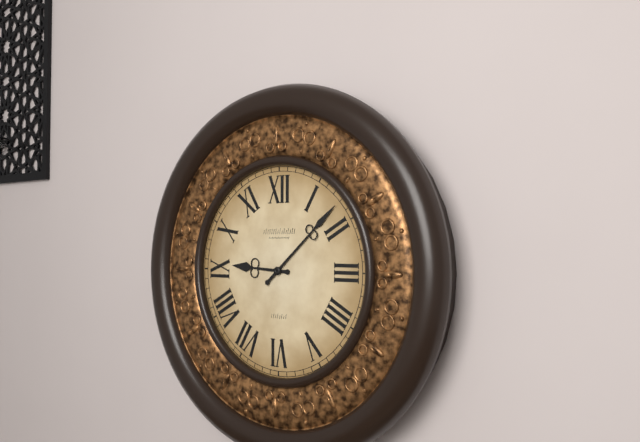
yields 9h08
